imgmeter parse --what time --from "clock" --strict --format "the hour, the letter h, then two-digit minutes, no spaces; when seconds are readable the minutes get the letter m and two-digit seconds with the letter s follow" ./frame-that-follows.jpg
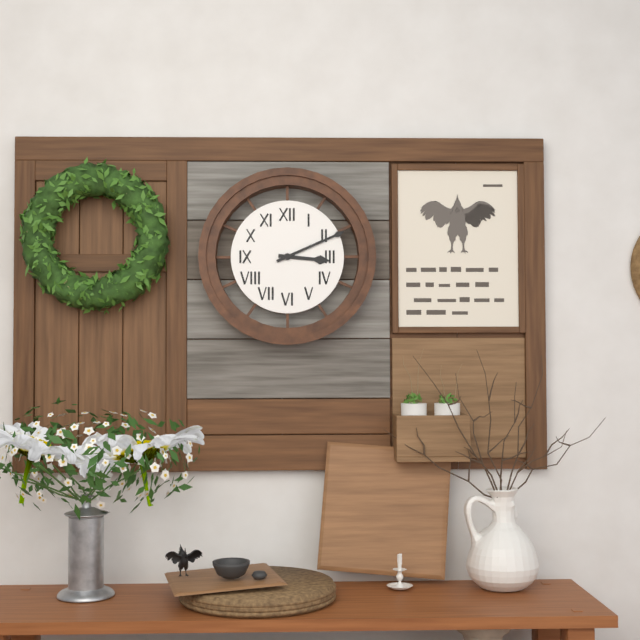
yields 3h11
